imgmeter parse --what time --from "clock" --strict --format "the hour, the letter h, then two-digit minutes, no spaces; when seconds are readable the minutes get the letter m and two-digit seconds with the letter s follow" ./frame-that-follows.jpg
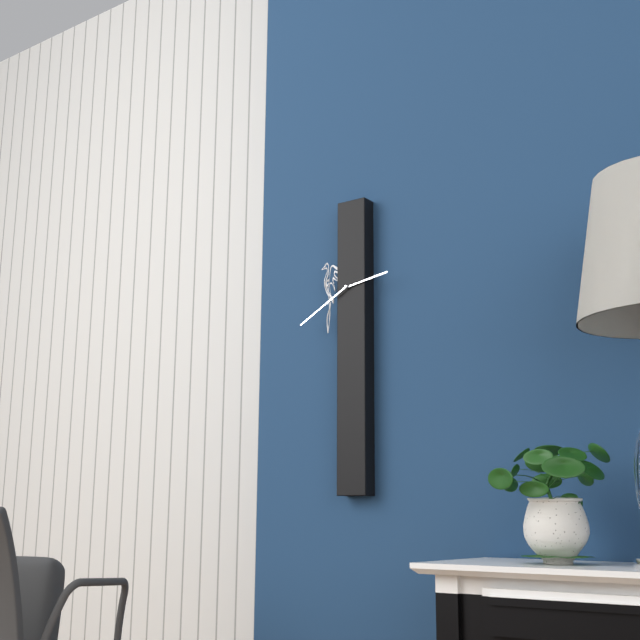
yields 2h40
